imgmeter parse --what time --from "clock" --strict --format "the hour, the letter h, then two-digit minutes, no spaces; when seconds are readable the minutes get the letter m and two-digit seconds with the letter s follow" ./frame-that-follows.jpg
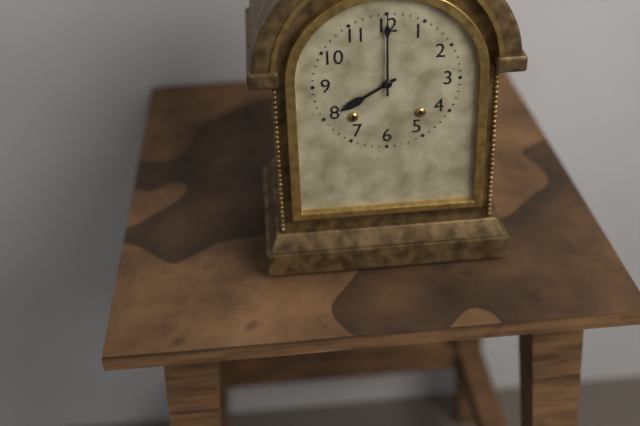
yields 8h00
